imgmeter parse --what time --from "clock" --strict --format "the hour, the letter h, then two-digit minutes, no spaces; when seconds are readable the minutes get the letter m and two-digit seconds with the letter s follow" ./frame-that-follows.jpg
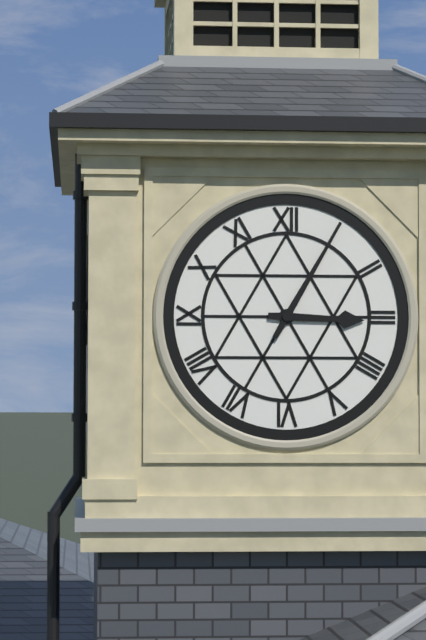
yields 3h05
